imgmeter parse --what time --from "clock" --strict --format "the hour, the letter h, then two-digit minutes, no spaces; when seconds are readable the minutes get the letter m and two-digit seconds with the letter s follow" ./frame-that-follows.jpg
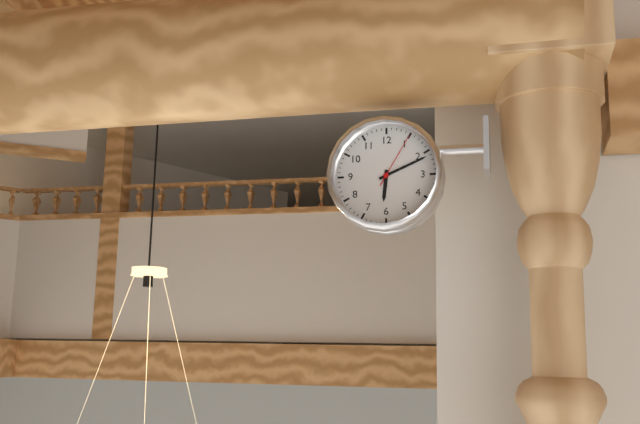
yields 6h11m05s
